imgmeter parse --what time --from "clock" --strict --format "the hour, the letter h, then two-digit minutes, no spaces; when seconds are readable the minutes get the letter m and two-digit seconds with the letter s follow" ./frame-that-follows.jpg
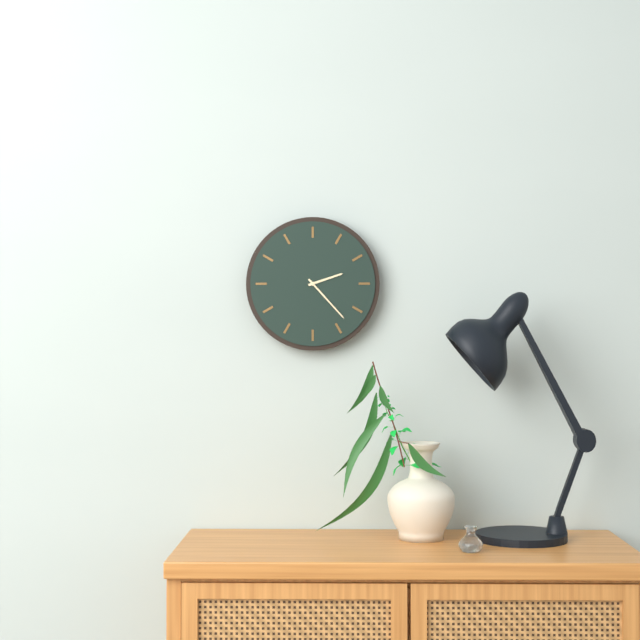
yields 2h23
